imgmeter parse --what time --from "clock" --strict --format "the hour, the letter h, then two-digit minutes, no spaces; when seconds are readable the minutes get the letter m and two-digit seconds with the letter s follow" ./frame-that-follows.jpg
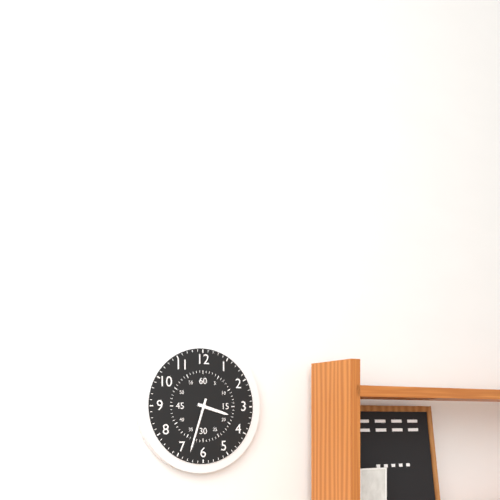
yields 3h33
